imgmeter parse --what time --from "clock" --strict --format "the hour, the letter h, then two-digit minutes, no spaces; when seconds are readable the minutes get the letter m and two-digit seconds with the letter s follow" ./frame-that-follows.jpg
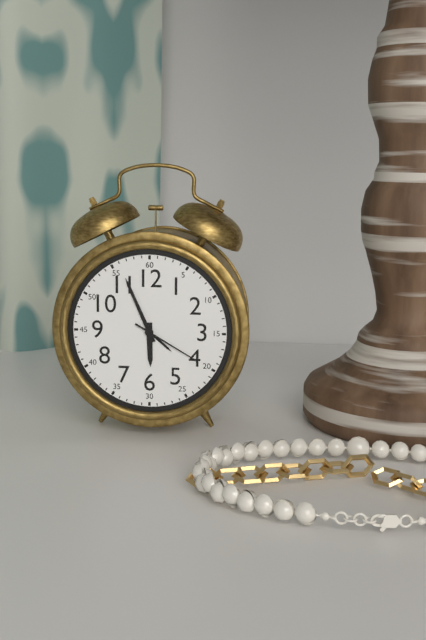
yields 5h56m20s
